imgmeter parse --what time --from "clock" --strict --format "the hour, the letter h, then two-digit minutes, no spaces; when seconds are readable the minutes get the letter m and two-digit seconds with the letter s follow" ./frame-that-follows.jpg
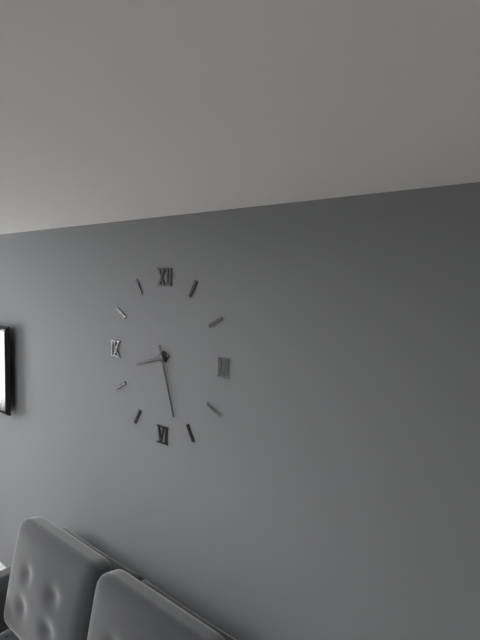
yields 8h27
